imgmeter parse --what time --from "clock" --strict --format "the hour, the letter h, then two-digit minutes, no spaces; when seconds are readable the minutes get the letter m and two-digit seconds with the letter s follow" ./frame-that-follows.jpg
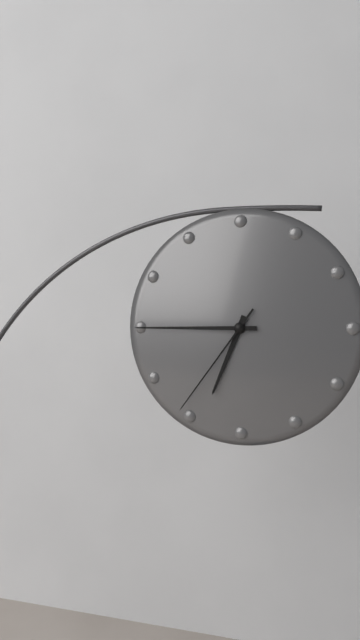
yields 6h45m36s
